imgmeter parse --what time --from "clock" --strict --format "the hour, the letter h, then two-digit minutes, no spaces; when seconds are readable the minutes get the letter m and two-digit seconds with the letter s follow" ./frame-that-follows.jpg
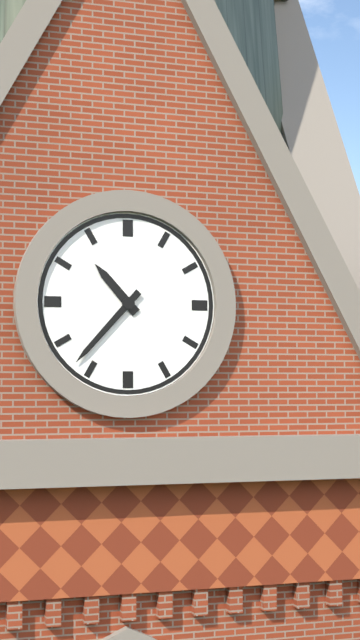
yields 10h37
